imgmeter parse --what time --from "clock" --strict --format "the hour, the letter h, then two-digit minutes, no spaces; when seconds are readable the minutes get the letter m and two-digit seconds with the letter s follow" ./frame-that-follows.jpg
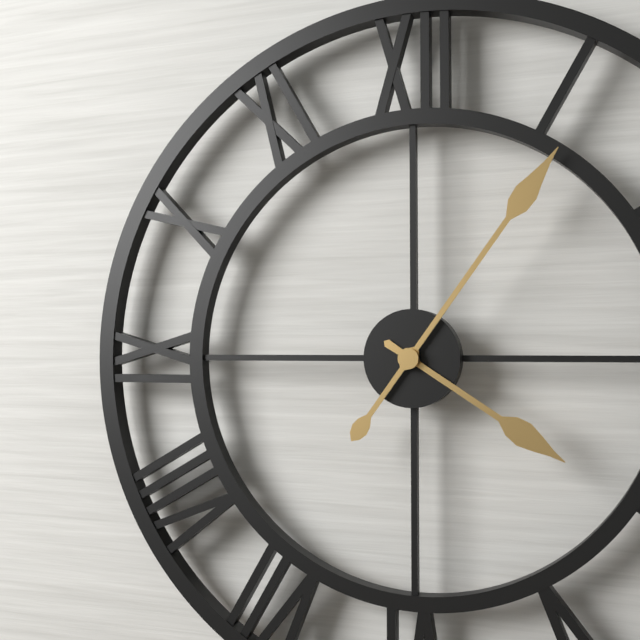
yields 4h06
